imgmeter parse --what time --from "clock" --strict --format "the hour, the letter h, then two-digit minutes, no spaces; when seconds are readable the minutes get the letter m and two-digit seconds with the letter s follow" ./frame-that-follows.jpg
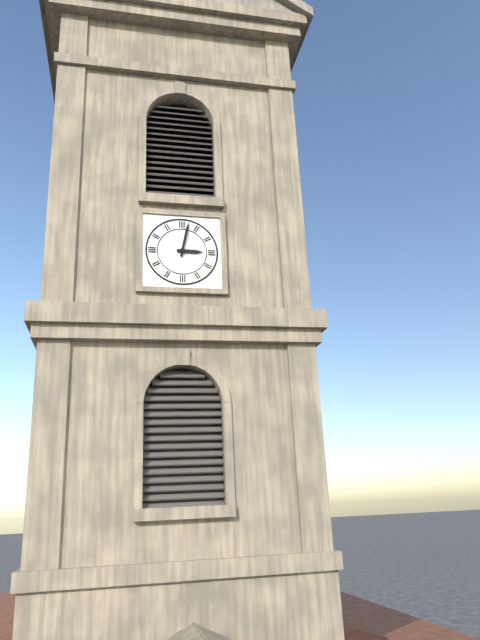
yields 3h02
